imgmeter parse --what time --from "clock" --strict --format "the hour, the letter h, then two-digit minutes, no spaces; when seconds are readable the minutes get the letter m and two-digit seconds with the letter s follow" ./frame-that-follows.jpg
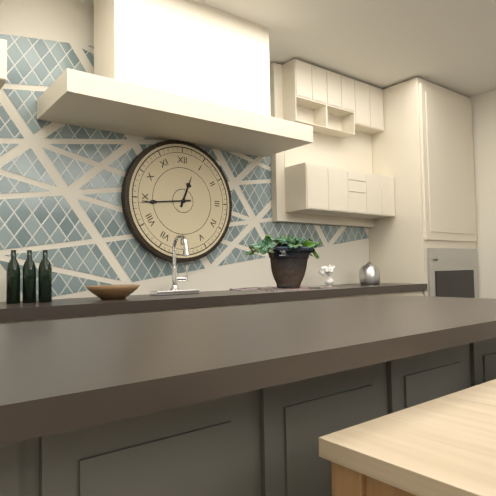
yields 12h44
